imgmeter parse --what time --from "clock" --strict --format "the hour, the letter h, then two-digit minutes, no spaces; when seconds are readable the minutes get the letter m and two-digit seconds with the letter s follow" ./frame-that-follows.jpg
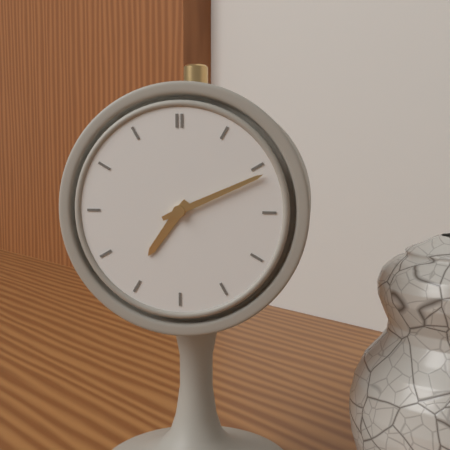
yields 7h11
